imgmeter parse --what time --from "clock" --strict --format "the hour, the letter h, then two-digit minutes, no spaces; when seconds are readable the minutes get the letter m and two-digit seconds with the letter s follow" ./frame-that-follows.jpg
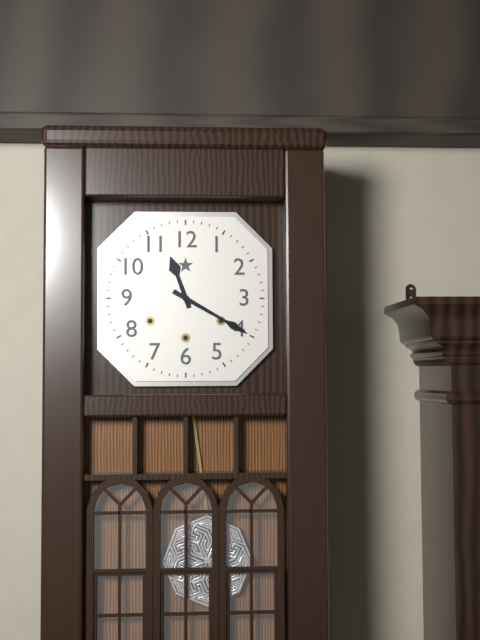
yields 11h20
